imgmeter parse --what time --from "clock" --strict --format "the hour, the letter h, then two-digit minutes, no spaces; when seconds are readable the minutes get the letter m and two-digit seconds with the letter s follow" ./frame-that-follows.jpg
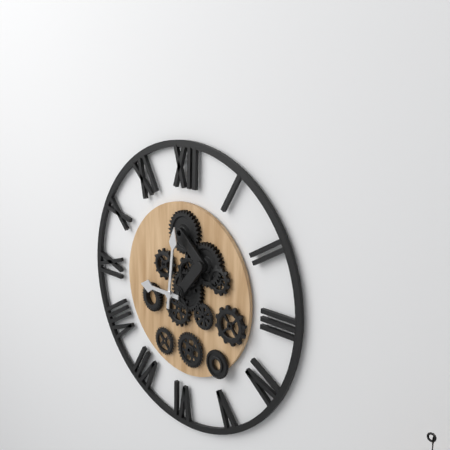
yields 9h01
